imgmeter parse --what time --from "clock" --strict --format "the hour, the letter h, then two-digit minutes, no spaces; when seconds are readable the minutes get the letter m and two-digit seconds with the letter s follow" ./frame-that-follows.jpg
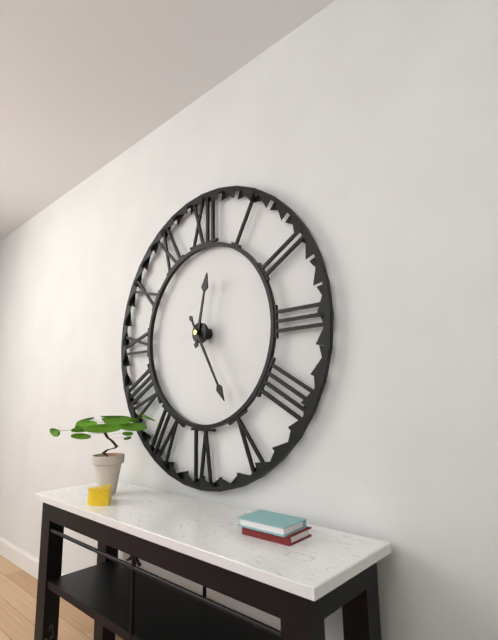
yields 12h25
